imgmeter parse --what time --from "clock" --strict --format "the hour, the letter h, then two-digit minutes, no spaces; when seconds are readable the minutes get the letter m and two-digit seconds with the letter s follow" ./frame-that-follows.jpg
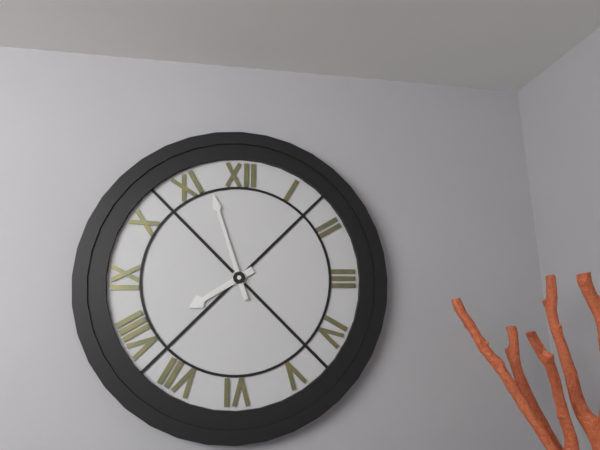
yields 7h57
